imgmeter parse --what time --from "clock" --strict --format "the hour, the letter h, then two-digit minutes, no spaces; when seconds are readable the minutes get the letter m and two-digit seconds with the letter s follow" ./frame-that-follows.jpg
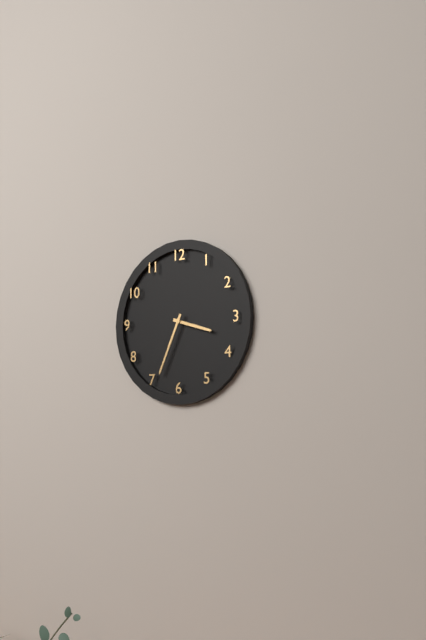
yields 3h34
